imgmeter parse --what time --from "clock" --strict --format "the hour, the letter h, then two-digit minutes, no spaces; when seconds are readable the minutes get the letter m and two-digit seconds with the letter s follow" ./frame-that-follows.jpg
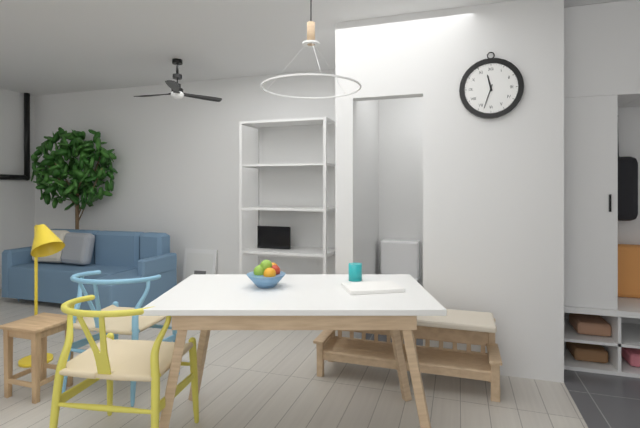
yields 11h33
